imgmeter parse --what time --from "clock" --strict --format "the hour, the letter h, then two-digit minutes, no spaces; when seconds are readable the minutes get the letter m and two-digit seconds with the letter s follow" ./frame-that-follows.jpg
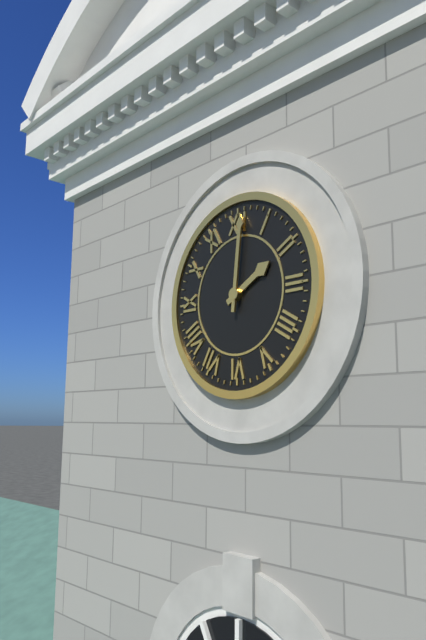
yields 2h01
